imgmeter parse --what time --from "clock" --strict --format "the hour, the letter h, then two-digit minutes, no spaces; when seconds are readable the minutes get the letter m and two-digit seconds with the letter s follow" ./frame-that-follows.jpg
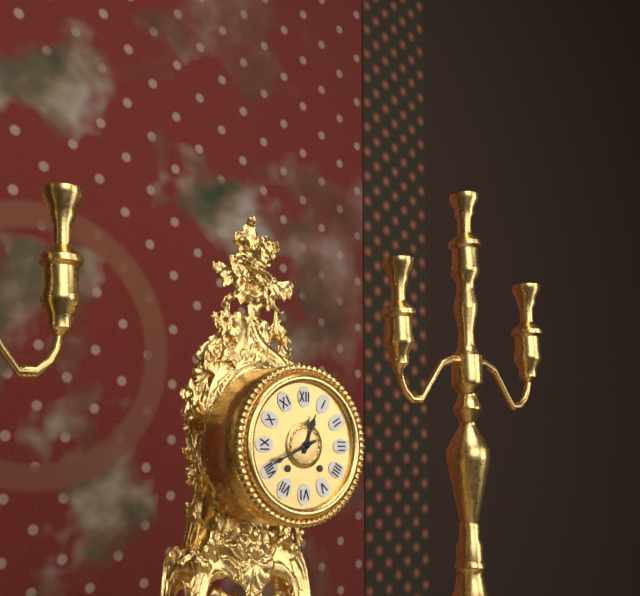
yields 12h41
